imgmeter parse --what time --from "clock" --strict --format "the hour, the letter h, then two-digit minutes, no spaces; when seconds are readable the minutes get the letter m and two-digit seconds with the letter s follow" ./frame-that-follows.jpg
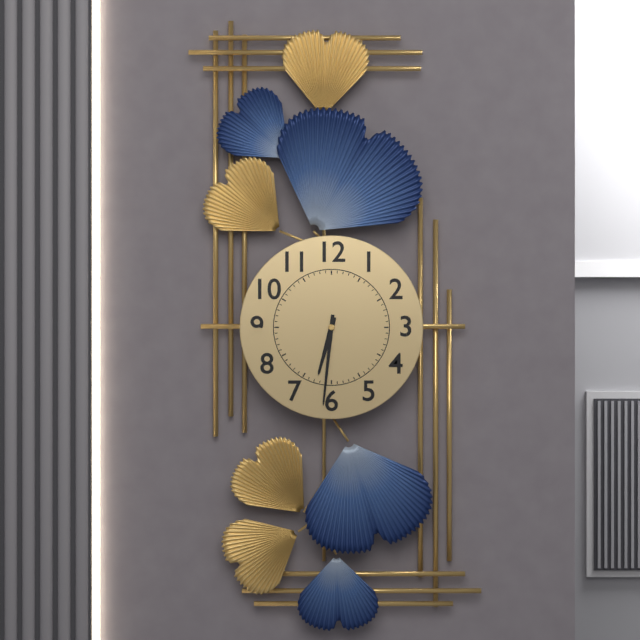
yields 6h31
